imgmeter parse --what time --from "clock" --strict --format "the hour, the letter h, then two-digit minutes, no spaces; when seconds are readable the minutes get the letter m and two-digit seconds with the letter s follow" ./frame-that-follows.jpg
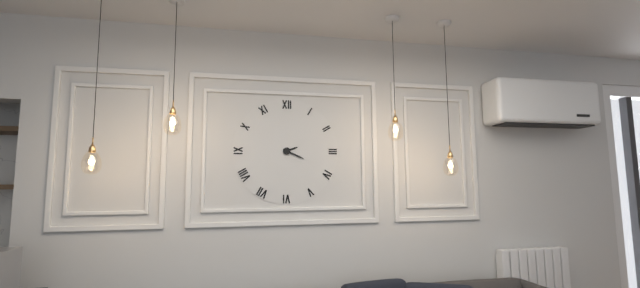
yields 2h19
